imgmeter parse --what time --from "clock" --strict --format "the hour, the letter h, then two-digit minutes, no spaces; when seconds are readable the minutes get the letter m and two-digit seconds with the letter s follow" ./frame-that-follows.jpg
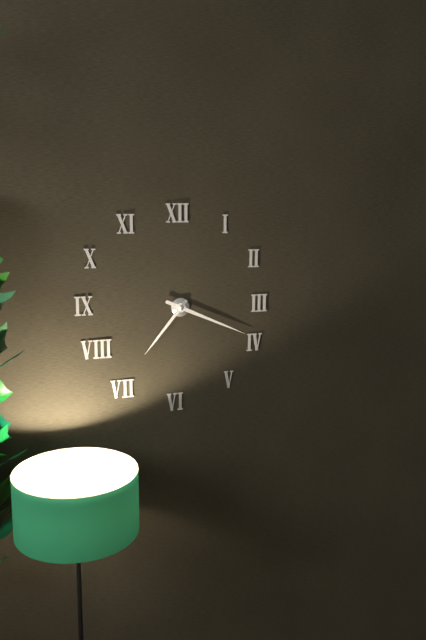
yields 7h19
